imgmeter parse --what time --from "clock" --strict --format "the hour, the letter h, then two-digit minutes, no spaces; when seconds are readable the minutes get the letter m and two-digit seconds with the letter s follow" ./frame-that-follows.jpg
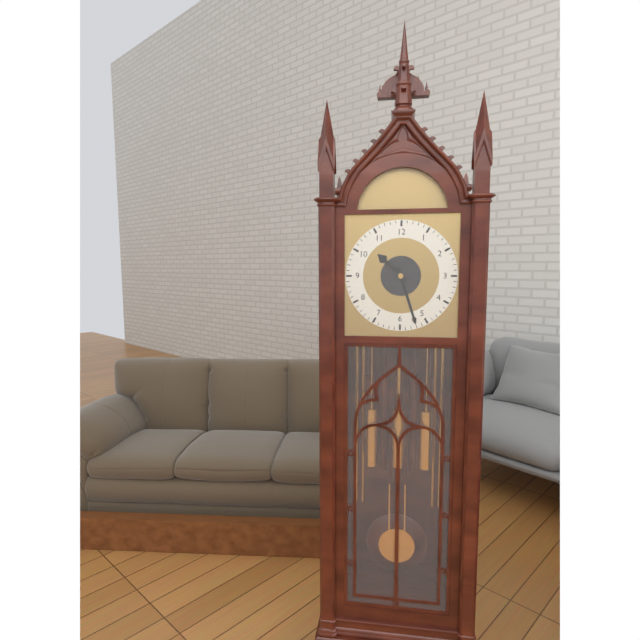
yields 10h27
